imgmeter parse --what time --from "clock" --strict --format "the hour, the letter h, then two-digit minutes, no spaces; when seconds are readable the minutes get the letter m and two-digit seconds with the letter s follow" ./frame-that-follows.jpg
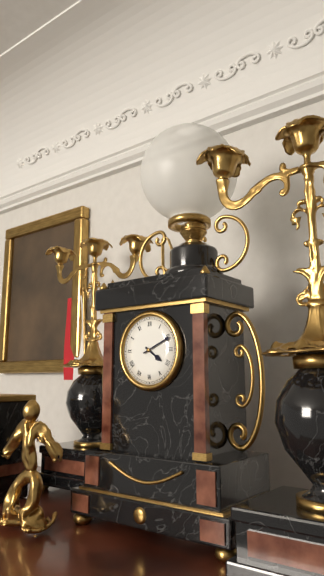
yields 4h11
